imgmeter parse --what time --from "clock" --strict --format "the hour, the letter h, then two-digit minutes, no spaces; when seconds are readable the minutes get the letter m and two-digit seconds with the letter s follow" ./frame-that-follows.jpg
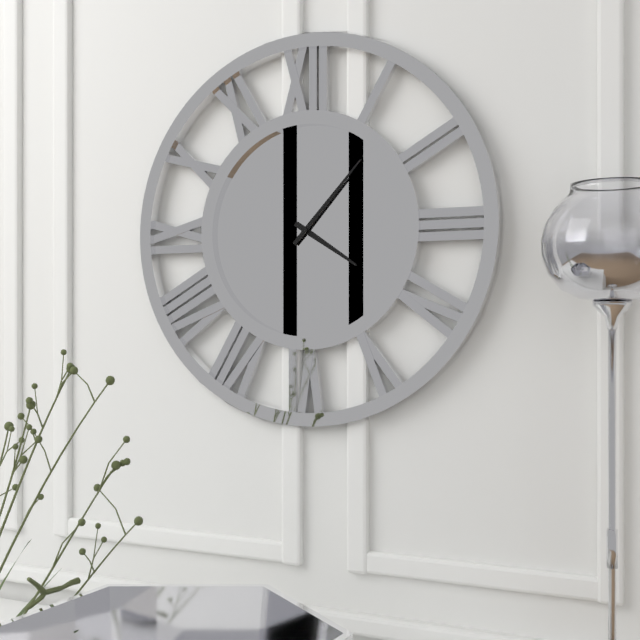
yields 4h07
